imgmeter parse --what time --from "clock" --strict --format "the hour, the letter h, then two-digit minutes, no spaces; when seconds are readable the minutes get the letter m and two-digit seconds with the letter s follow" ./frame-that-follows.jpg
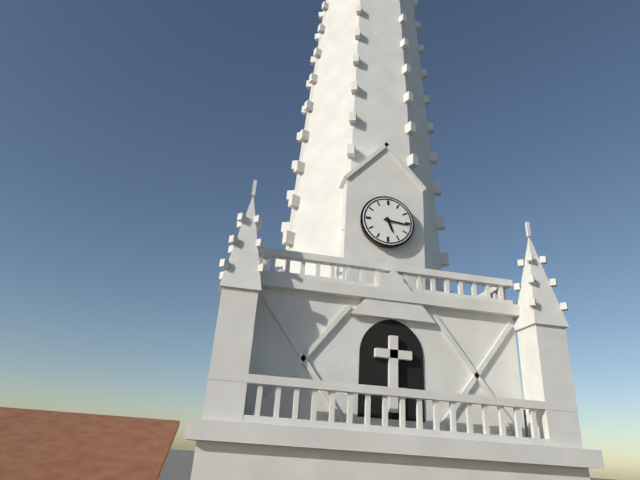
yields 5h16
